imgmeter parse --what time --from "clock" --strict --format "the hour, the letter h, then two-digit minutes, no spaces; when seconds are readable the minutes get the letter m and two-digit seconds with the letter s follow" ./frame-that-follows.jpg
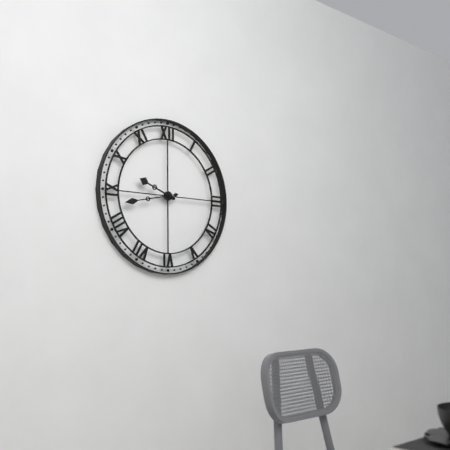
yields 9h43
